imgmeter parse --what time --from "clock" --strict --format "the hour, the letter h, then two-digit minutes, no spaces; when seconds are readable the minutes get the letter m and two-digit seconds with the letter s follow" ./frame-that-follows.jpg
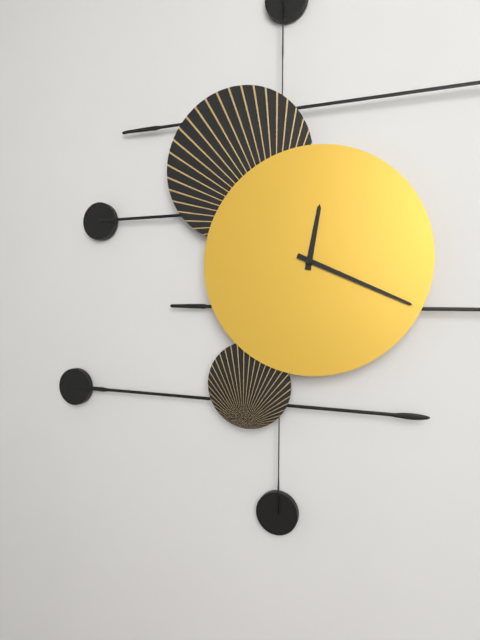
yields 12h19
